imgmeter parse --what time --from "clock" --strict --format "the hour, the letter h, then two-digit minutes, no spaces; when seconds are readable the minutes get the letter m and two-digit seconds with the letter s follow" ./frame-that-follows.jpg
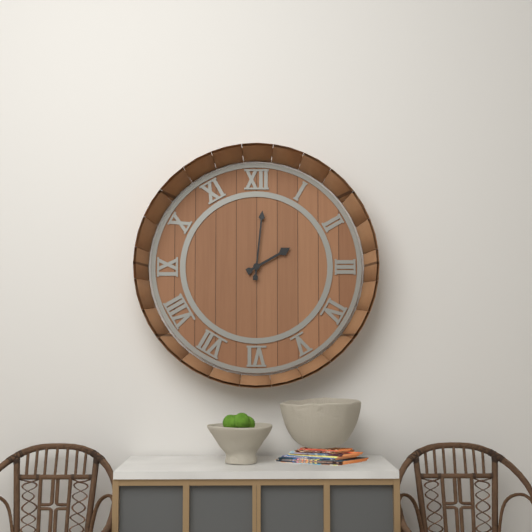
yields 2h01
